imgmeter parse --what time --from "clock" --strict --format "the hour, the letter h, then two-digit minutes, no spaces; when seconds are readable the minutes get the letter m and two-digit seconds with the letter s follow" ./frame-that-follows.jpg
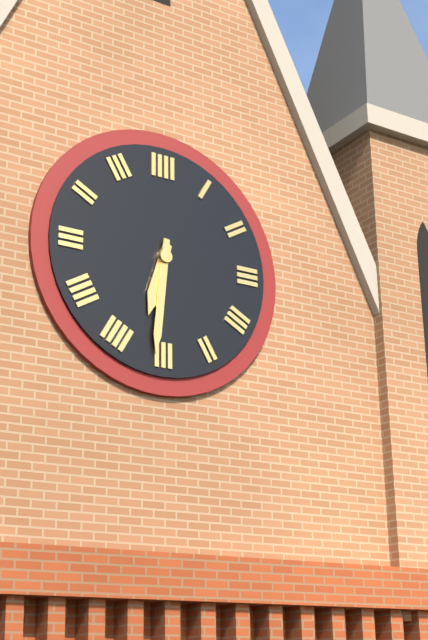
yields 6h31
